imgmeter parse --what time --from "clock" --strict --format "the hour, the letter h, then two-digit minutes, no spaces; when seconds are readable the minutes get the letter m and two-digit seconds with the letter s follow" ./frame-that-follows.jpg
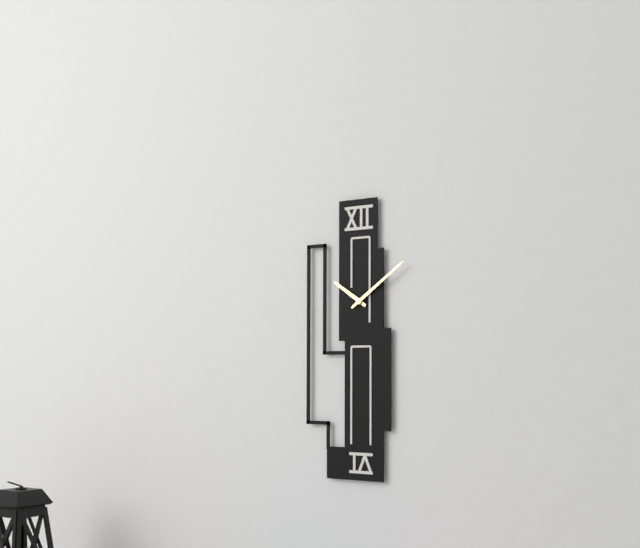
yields 10h09
